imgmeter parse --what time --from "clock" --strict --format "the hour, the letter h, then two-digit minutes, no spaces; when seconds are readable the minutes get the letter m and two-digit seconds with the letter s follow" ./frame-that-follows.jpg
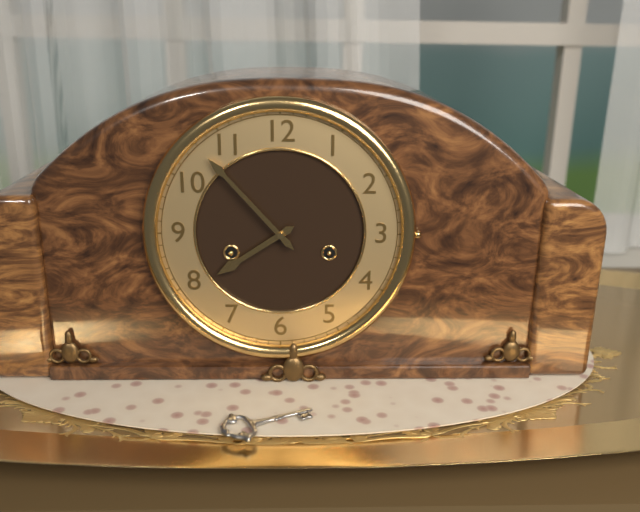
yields 7h53
